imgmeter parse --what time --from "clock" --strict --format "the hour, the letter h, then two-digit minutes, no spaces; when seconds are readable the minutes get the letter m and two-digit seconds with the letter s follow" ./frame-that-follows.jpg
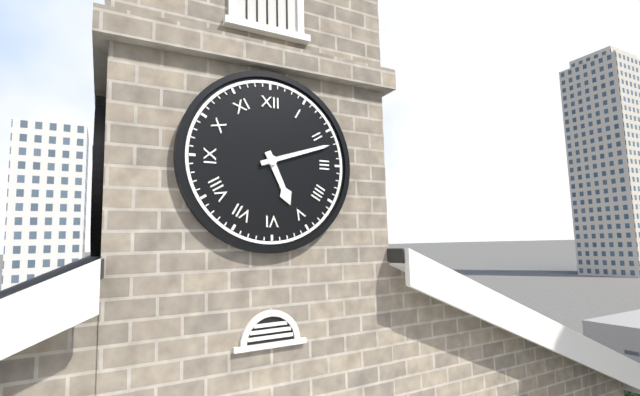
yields 5h12
